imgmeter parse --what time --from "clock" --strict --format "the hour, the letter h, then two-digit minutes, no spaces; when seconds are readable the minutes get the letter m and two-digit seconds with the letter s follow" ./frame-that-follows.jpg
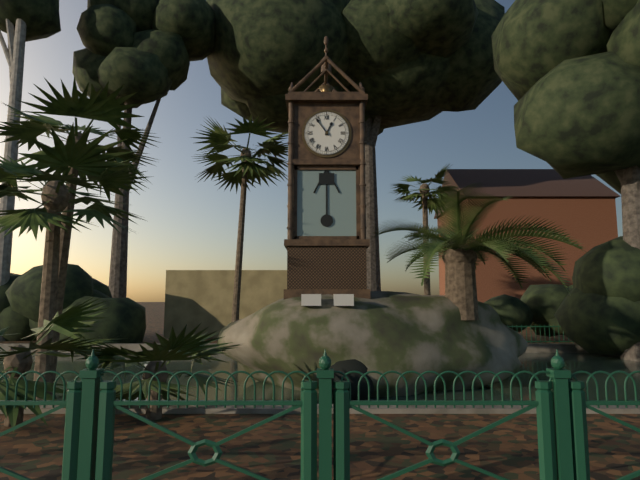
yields 12h54
